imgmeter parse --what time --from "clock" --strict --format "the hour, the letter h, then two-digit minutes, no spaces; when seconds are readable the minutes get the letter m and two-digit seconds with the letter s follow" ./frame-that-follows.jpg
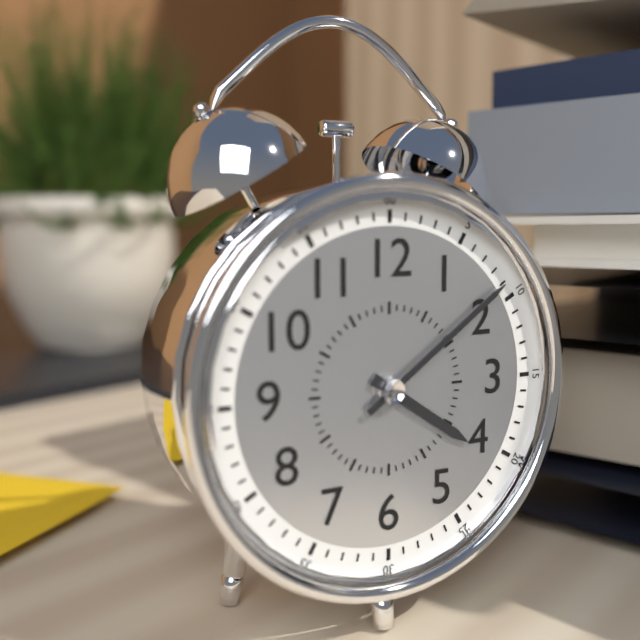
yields 4h09
